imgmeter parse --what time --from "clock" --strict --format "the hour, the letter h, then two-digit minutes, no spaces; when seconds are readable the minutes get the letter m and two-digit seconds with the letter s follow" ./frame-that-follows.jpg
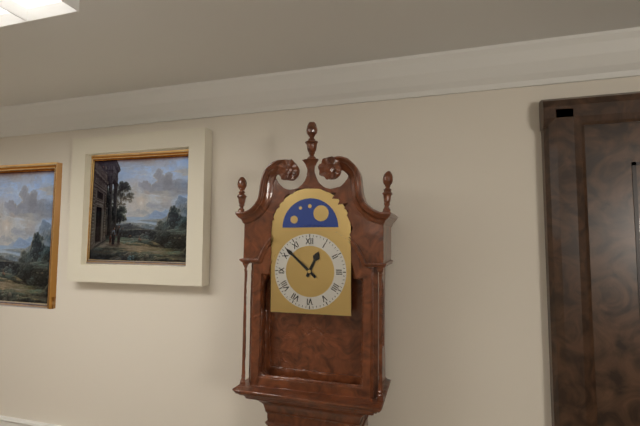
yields 12h52
